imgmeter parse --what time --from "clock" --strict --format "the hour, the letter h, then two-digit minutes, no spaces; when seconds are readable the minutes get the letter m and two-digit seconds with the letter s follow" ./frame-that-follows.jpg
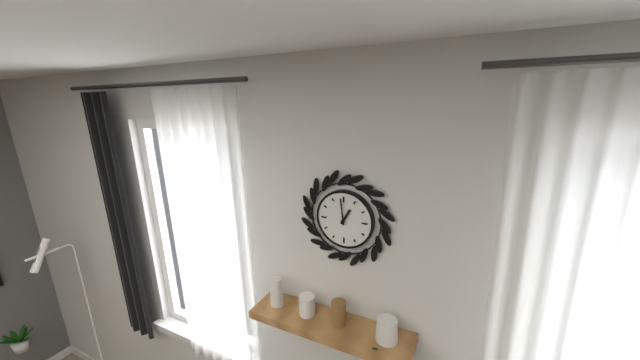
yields 12h59
